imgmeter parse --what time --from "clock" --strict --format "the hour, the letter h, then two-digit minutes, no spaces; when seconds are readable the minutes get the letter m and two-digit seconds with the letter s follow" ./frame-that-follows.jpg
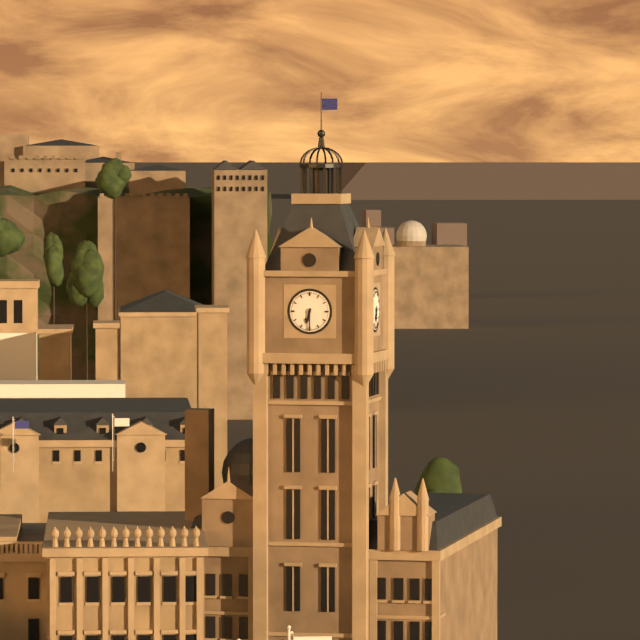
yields 6h30
